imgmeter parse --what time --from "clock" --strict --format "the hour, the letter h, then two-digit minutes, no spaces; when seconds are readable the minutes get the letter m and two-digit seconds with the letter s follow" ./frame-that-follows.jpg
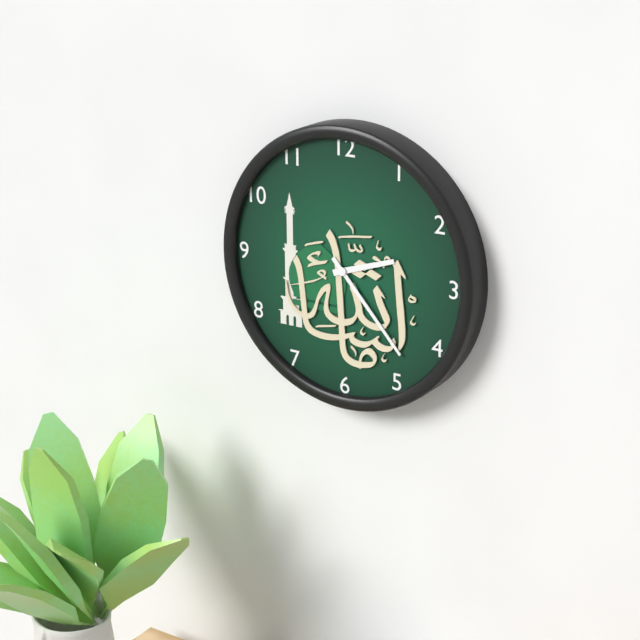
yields 2h23
